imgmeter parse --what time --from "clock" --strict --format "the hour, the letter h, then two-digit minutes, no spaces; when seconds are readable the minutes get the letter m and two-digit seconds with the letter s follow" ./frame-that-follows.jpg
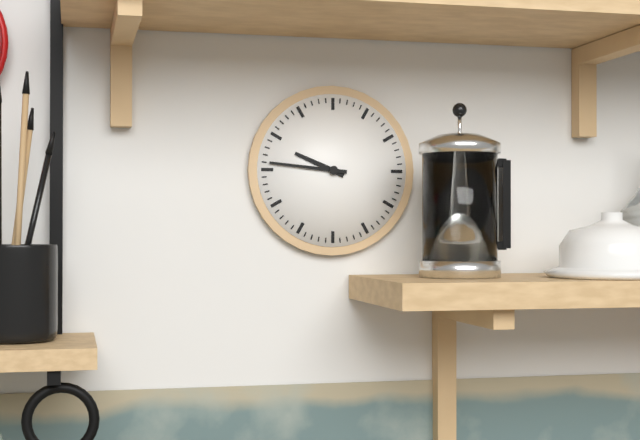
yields 9h46
